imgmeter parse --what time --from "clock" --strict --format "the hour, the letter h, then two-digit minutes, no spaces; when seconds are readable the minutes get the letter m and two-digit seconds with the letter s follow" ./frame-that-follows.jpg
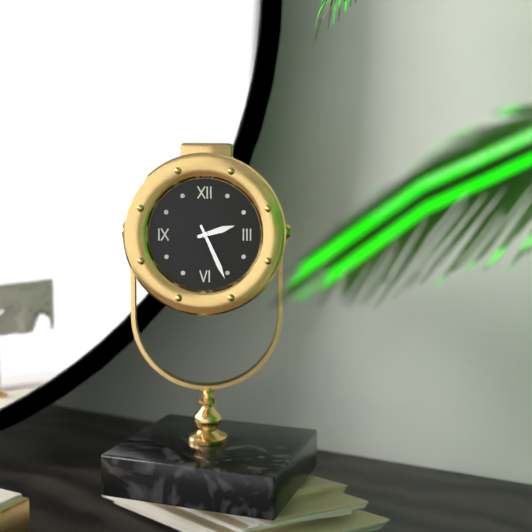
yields 2h26
